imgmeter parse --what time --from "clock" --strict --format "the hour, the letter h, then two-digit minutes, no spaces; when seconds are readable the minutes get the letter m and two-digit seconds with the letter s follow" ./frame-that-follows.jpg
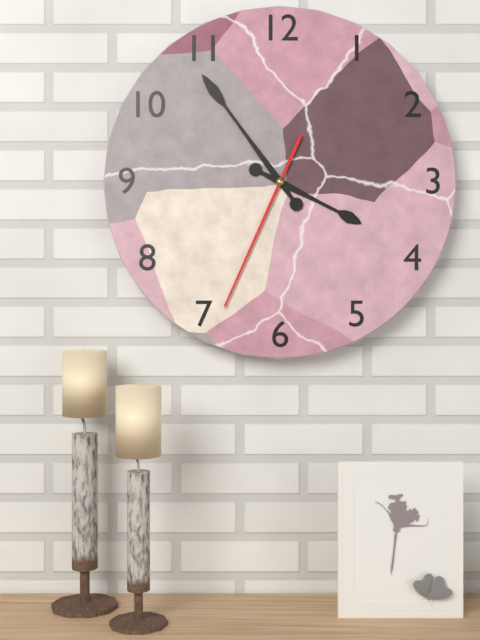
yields 3h54m34s
